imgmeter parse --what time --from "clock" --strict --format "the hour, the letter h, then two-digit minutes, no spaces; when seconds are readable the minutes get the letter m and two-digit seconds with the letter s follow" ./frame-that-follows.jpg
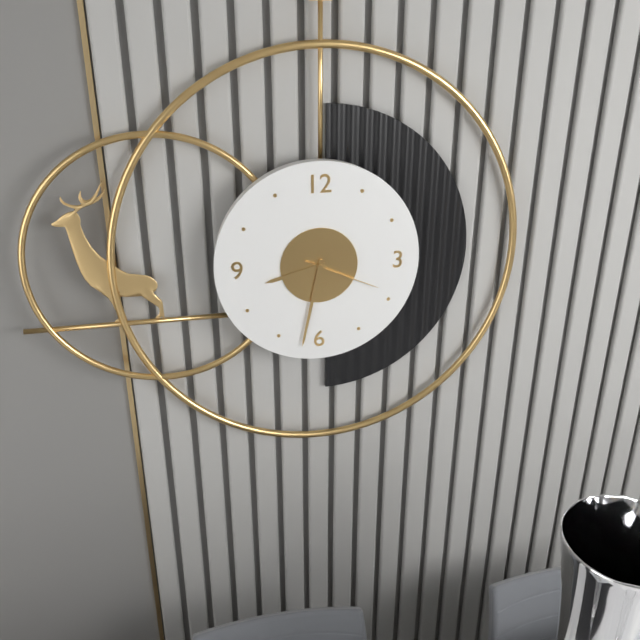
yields 8h32m19s
